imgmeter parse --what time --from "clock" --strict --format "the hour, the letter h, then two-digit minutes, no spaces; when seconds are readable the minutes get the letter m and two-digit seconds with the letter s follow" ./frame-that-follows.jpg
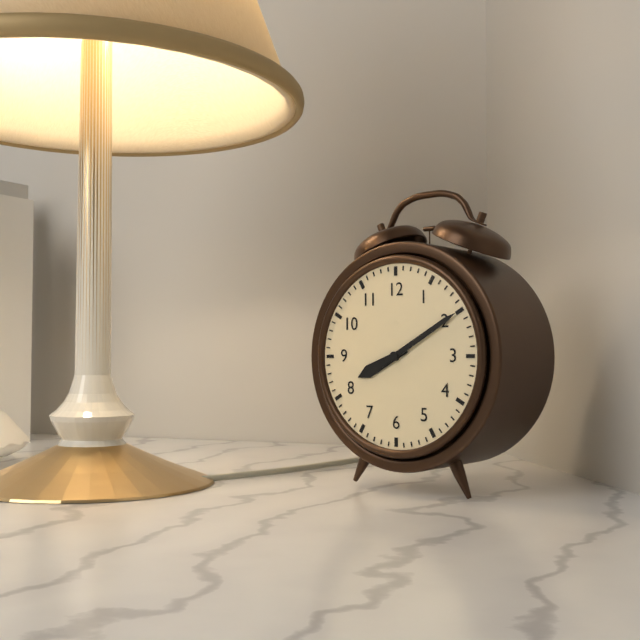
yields 8h10
